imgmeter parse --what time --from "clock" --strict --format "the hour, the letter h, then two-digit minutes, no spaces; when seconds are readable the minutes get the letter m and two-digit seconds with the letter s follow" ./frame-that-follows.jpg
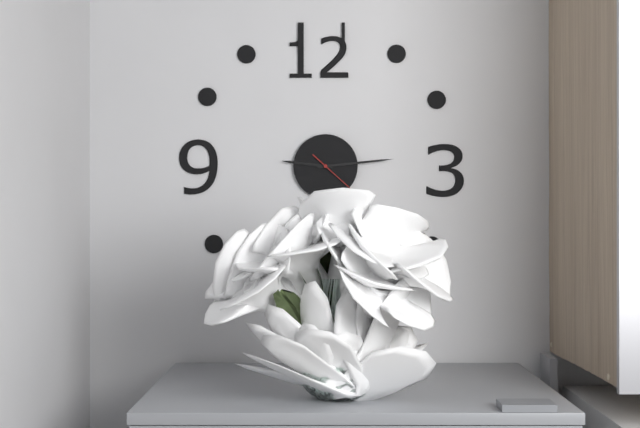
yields 9h14m22s
